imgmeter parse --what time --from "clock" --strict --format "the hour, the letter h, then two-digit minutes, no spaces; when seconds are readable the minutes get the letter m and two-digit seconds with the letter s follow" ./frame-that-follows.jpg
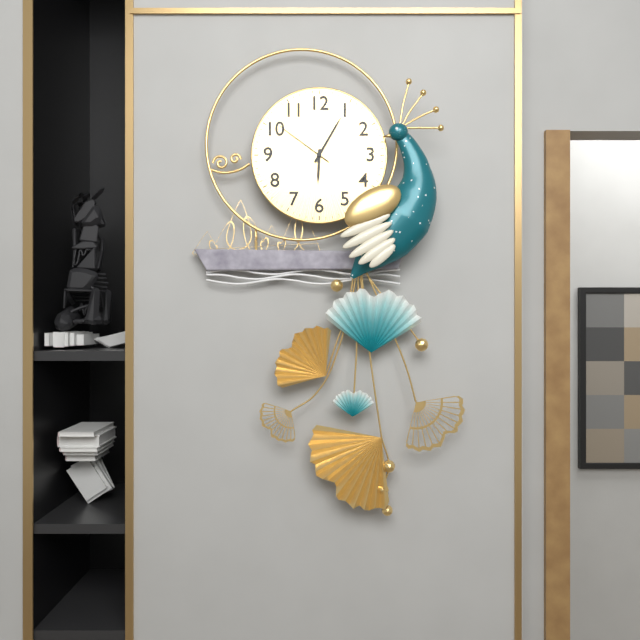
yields 6h05m51s
